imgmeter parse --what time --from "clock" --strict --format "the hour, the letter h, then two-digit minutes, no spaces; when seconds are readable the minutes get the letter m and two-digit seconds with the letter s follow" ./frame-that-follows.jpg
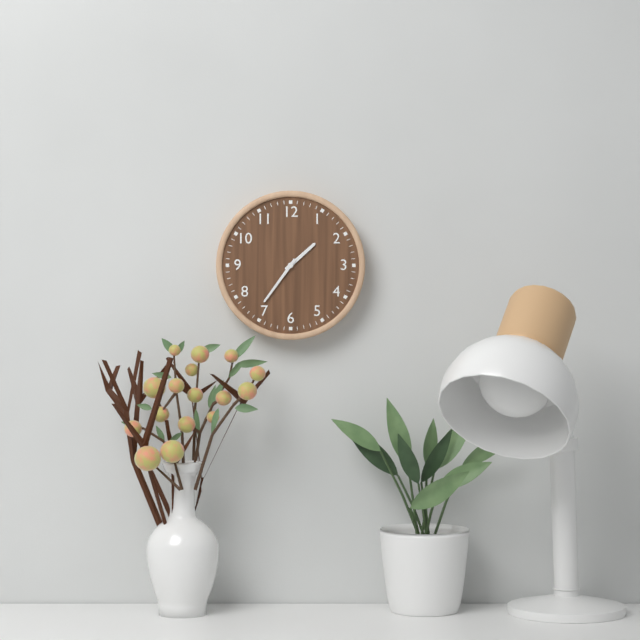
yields 1h36
